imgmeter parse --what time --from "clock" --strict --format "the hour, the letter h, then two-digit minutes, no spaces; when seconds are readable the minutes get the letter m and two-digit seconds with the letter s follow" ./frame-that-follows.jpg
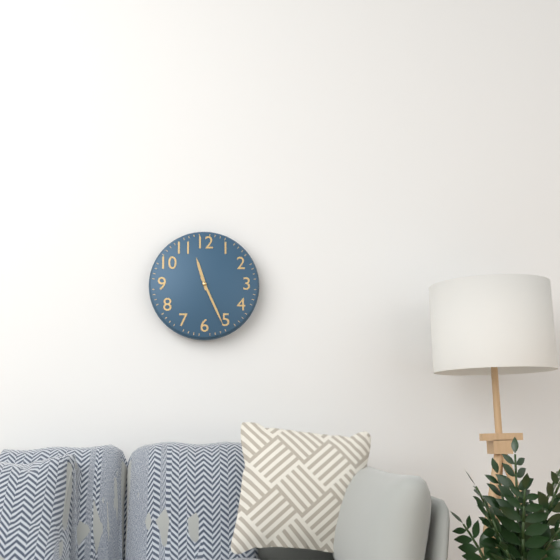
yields 11h26
